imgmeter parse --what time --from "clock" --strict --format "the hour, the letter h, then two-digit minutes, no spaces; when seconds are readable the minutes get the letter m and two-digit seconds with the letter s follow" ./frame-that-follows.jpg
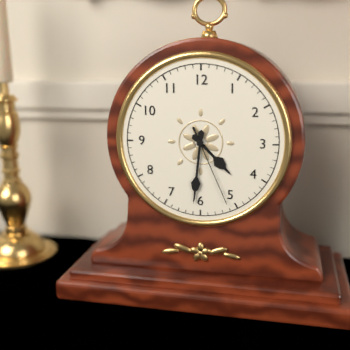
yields 4h31m26s
